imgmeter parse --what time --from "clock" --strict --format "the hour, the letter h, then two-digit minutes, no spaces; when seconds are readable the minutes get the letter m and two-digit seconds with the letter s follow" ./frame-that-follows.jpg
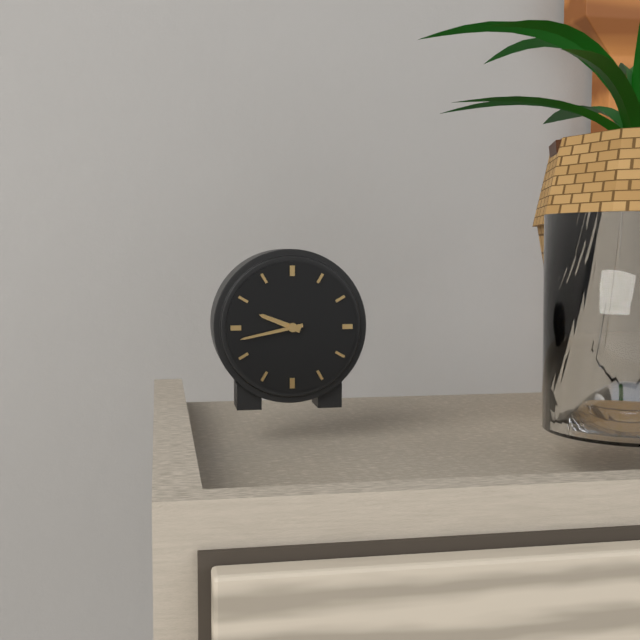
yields 9h43
